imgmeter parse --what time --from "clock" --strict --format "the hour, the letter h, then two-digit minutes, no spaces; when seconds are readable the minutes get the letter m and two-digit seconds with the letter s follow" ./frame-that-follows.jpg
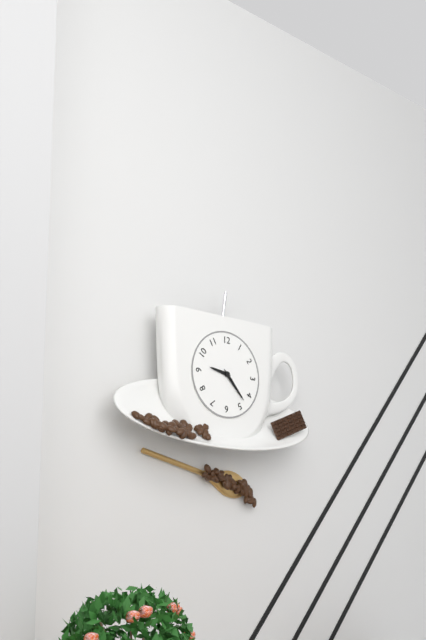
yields 9h23
